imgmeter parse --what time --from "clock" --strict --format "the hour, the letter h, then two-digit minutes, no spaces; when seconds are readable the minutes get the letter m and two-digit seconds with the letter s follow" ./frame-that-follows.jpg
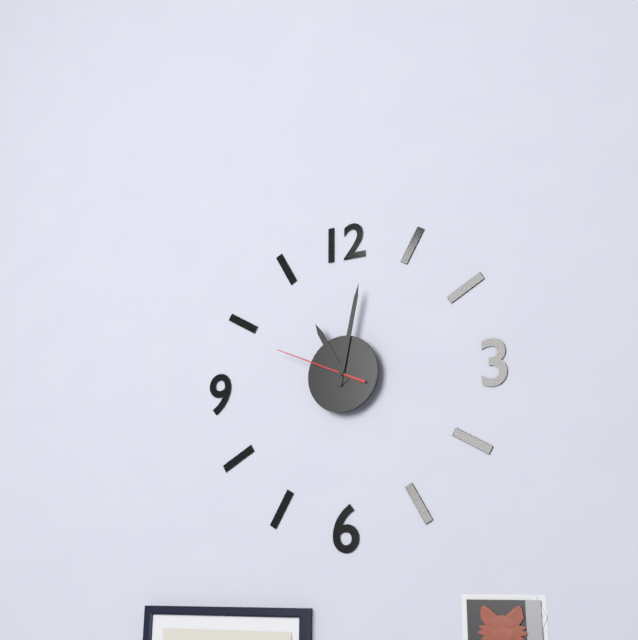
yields 11h02m49s
